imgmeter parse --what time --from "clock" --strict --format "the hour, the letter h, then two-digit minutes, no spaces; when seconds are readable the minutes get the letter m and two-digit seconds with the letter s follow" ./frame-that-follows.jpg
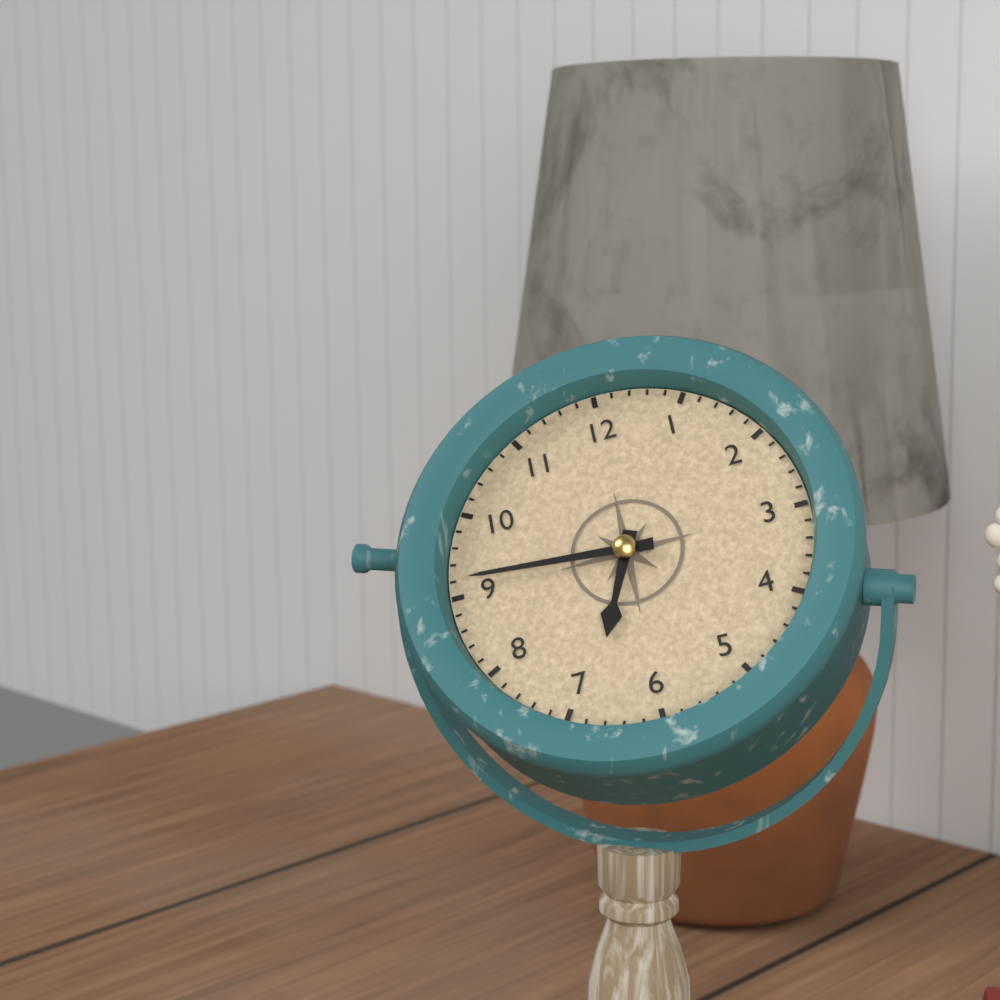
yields 6h46
